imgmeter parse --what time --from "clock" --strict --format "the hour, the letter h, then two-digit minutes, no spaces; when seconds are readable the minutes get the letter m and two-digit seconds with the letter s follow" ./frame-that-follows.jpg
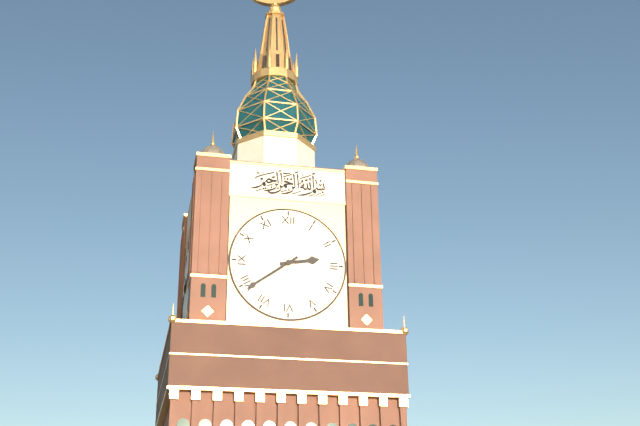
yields 2h39
